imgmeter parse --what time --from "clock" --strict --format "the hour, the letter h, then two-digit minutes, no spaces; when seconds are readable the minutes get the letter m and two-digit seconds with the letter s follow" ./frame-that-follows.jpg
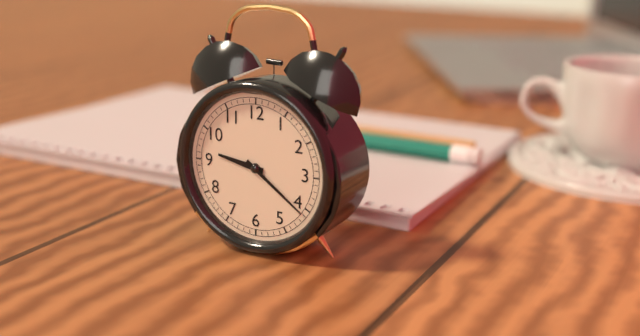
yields 9h21
